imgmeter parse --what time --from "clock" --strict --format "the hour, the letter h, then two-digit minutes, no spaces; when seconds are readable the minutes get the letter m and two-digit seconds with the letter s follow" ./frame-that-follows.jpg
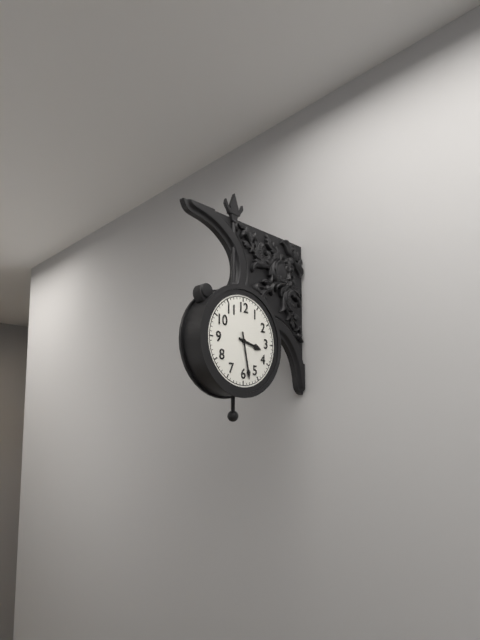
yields 3h28
